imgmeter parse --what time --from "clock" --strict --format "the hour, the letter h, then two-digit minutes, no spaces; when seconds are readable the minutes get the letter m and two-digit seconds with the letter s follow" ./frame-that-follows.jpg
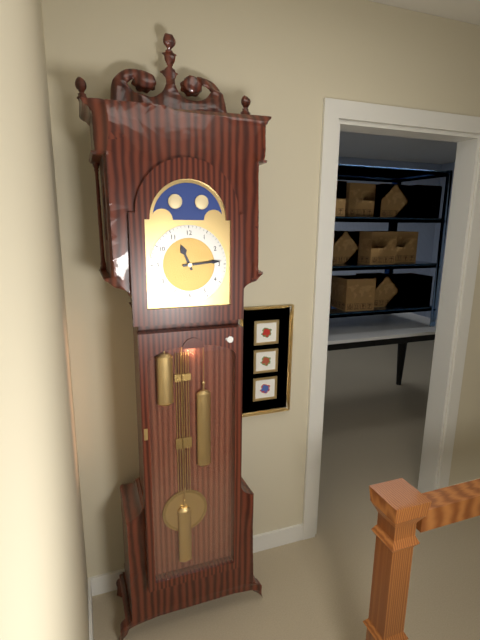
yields 11h14
